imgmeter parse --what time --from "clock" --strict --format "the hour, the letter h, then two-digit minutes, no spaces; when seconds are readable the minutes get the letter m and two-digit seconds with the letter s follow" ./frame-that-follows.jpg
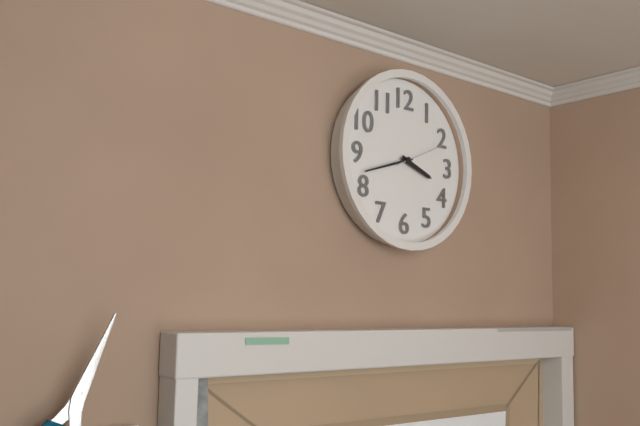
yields 3h42
